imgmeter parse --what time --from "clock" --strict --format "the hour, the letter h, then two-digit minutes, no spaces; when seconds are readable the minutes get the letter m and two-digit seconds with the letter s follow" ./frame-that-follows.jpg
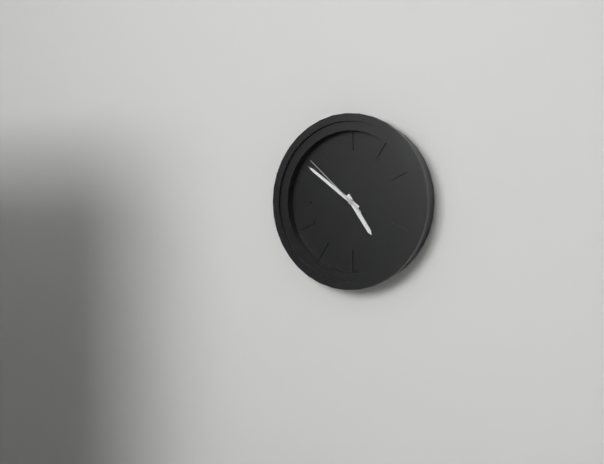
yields 4h51m52s
